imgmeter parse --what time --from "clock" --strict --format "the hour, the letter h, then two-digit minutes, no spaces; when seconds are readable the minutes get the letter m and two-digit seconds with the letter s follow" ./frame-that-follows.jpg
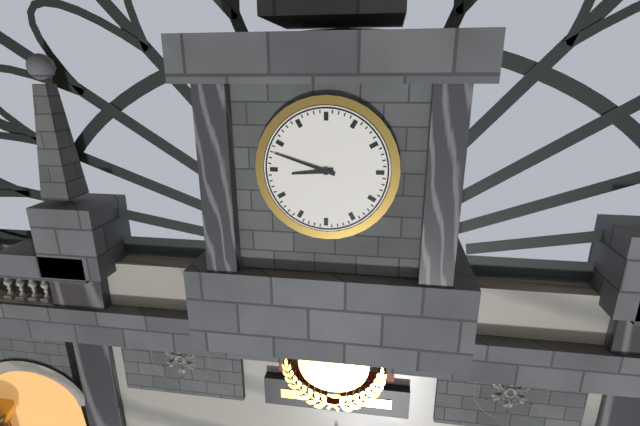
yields 8h48
